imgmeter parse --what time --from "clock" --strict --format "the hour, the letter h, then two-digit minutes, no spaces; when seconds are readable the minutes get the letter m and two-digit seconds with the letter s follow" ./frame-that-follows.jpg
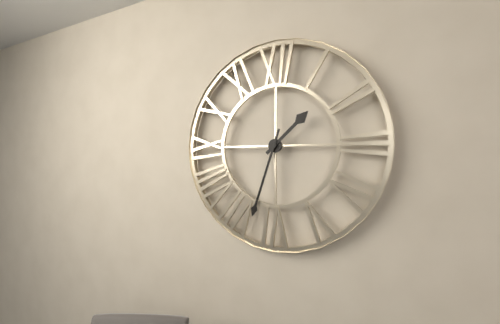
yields 1h33
